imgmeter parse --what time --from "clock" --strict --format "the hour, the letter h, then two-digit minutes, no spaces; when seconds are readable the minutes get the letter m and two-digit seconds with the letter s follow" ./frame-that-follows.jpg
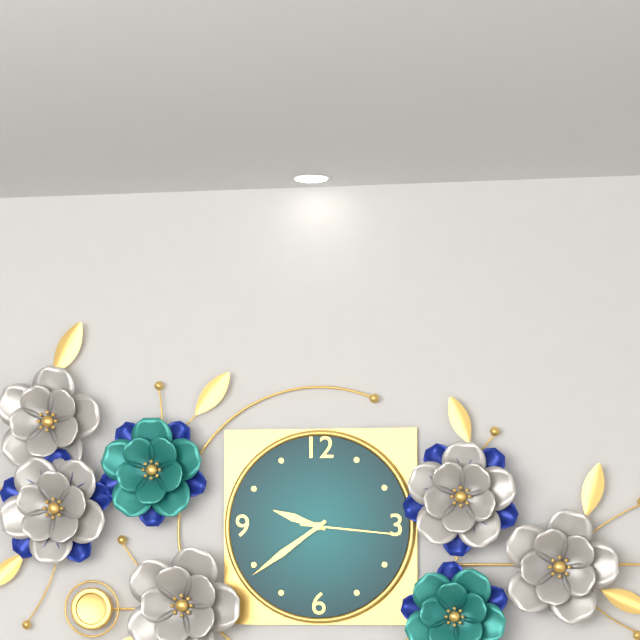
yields 9h39m16s
